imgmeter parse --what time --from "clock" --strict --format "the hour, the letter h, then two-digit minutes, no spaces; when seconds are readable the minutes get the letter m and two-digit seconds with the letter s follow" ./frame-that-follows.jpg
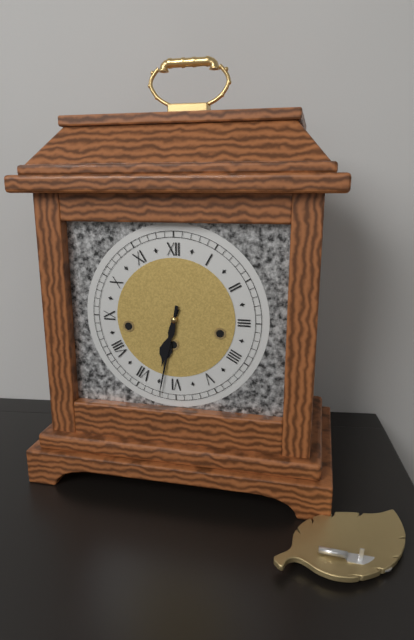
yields 6h32
